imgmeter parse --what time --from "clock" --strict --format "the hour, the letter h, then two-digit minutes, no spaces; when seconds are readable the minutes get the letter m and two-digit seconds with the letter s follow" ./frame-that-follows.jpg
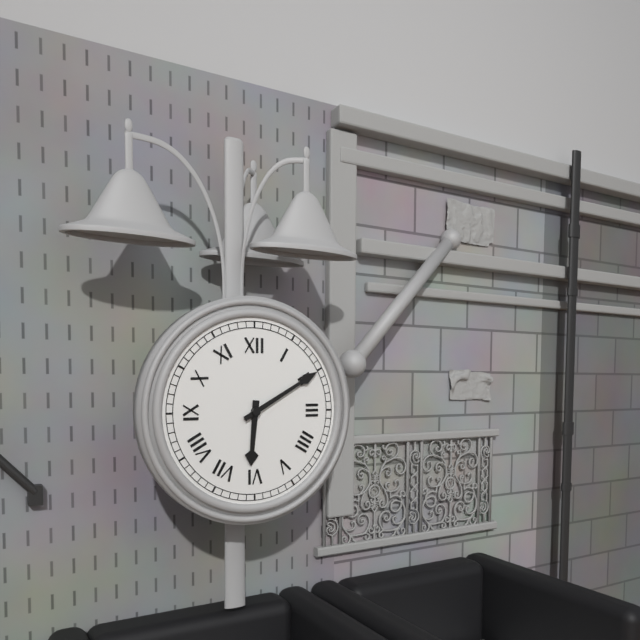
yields 6h10
